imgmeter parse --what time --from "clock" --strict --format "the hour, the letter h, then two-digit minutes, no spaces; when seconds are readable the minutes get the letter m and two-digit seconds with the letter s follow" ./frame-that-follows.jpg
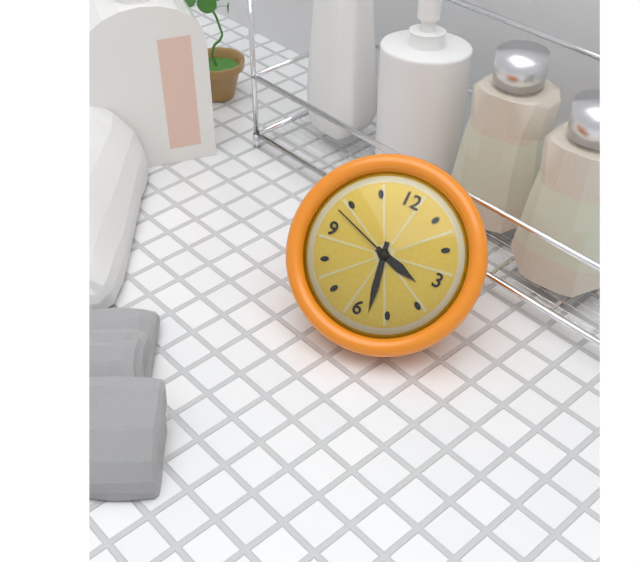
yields 3h28m48s
